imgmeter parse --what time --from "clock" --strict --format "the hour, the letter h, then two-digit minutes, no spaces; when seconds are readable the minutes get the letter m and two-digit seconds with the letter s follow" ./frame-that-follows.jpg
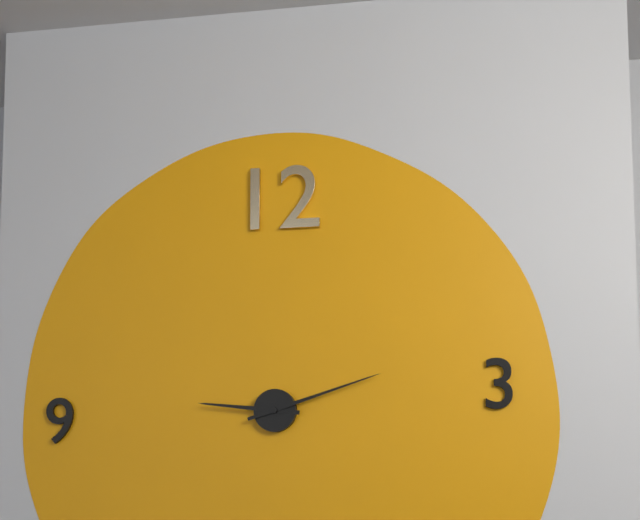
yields 9h12
